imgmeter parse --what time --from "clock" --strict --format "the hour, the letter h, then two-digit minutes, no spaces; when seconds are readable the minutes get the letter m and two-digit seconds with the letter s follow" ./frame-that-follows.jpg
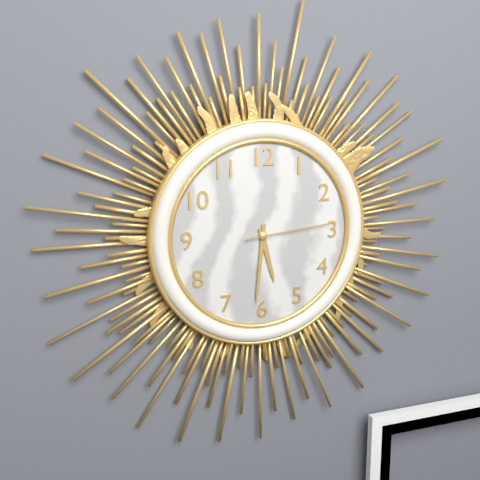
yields 5h31m14s
